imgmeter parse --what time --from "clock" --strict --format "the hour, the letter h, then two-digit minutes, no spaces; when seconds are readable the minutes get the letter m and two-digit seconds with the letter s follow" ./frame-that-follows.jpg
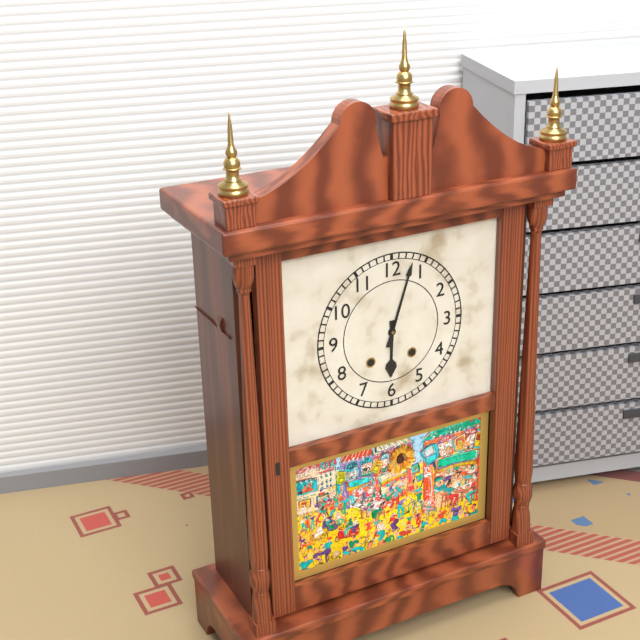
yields 6h03
